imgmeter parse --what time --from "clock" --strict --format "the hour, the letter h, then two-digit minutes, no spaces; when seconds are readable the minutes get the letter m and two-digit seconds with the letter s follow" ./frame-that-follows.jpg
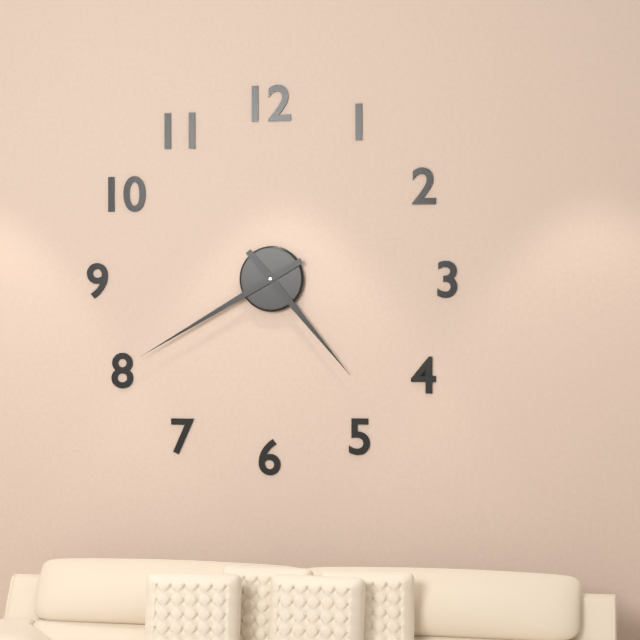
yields 4h40
